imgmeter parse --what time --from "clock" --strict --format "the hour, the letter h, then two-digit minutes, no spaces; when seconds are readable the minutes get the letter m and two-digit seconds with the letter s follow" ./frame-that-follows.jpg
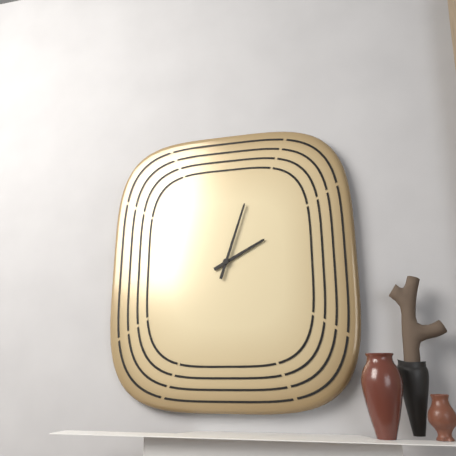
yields 2h03
